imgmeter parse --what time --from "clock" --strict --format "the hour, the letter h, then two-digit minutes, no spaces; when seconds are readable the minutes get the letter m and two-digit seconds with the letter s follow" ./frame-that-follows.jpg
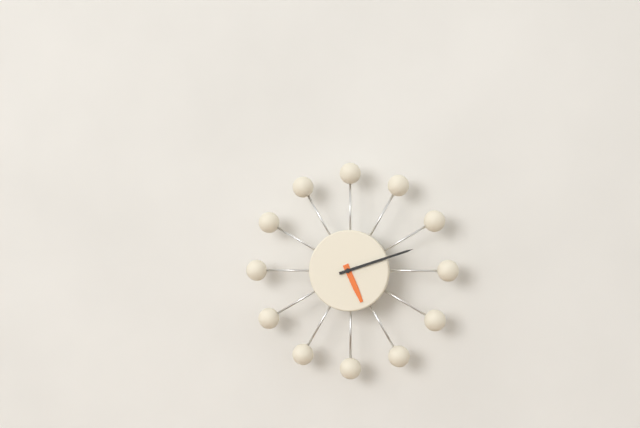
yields 5h12
